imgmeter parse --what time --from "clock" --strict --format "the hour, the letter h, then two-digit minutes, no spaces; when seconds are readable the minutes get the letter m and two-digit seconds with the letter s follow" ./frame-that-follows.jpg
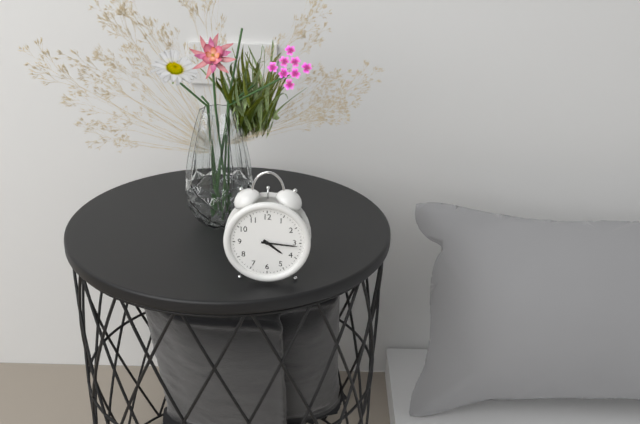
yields 4h16
